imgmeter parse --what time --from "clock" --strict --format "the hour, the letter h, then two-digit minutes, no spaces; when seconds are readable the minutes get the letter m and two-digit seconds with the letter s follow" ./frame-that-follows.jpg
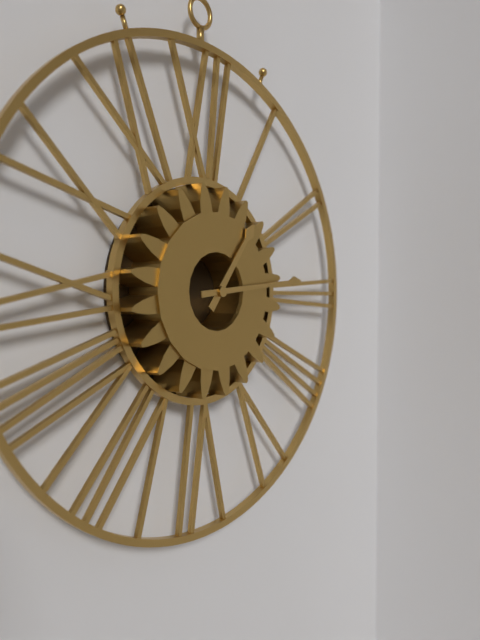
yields 1h14
